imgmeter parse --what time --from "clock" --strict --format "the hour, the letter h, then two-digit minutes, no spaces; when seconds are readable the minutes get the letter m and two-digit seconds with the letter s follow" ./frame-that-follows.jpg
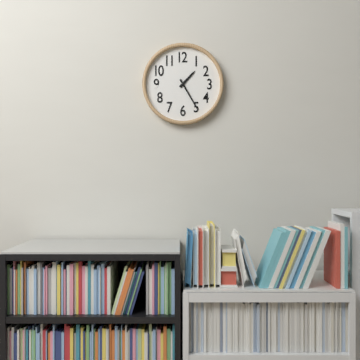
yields 1h25
